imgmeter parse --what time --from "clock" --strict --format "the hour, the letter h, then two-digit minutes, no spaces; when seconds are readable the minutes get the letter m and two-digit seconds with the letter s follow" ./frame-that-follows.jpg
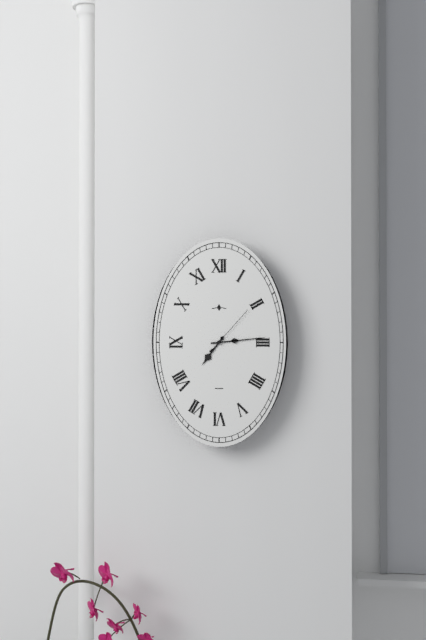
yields 7h14m07s
